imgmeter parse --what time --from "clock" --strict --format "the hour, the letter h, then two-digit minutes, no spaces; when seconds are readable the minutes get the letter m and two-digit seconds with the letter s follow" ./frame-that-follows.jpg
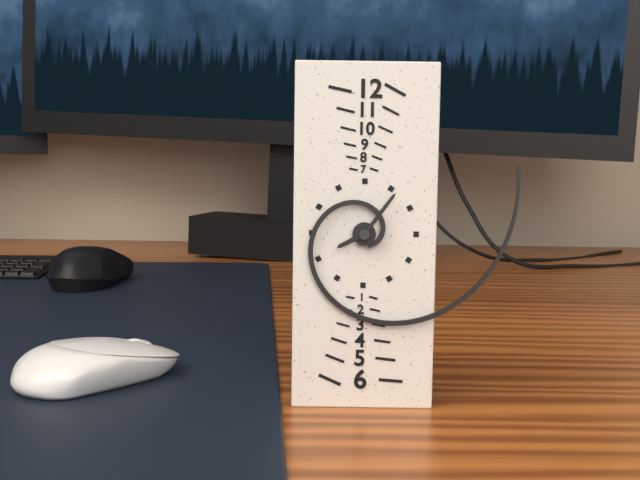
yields 8h06
